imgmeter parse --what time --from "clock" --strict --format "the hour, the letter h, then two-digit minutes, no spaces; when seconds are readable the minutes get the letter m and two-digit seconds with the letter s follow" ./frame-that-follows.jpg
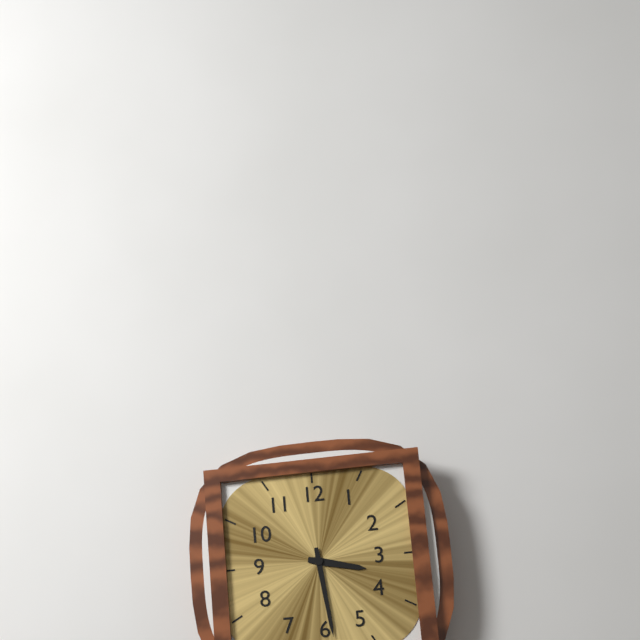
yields 3h29
